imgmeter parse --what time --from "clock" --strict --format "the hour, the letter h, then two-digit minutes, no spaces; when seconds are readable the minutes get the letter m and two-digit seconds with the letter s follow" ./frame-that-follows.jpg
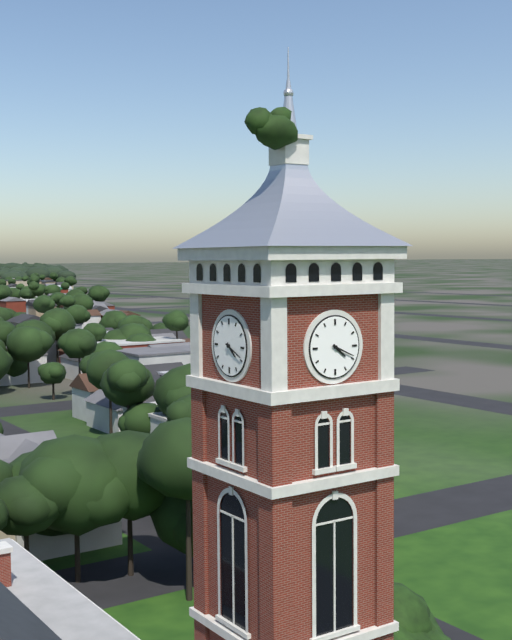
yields 4h19
